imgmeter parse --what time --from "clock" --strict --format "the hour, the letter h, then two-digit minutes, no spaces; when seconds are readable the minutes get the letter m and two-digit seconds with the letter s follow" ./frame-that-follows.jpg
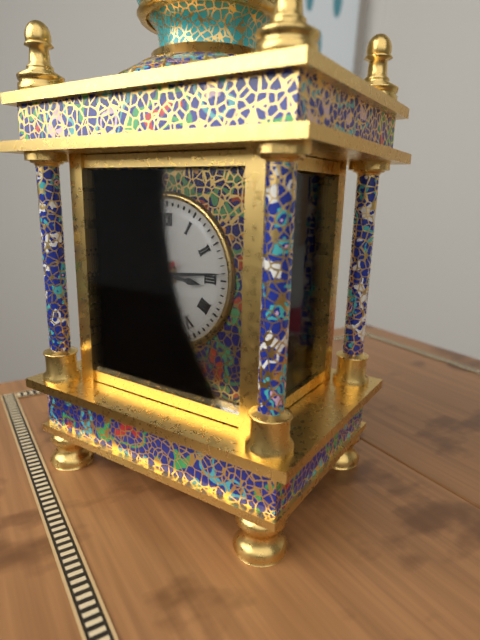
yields 3h14m38s
